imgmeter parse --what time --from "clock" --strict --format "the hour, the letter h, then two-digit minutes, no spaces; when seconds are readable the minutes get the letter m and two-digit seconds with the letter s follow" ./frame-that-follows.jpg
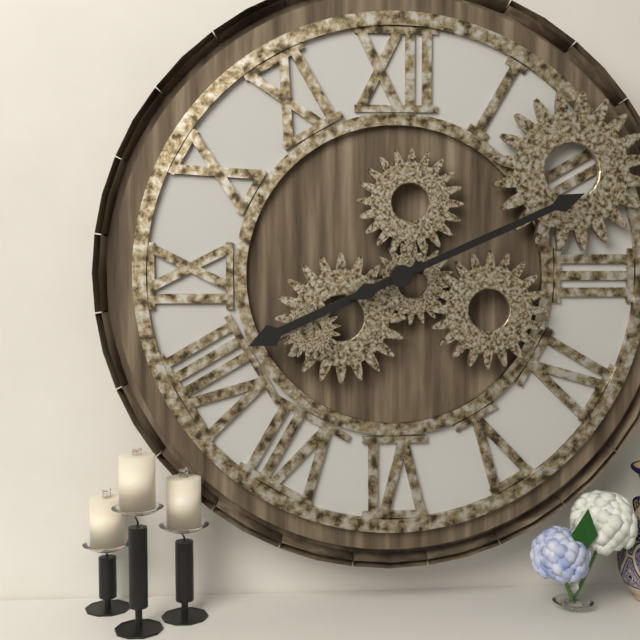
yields 8h11
